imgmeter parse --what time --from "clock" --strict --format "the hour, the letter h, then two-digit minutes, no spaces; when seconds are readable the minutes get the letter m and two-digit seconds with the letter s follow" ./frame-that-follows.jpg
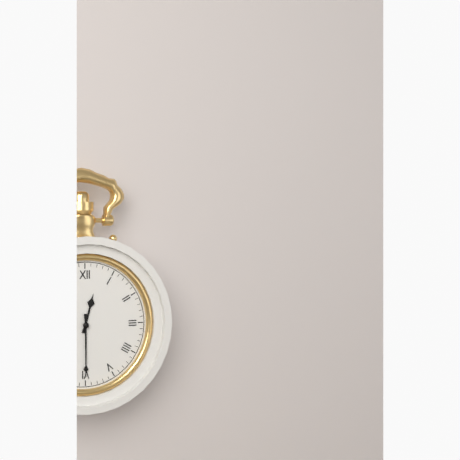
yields 12h30
